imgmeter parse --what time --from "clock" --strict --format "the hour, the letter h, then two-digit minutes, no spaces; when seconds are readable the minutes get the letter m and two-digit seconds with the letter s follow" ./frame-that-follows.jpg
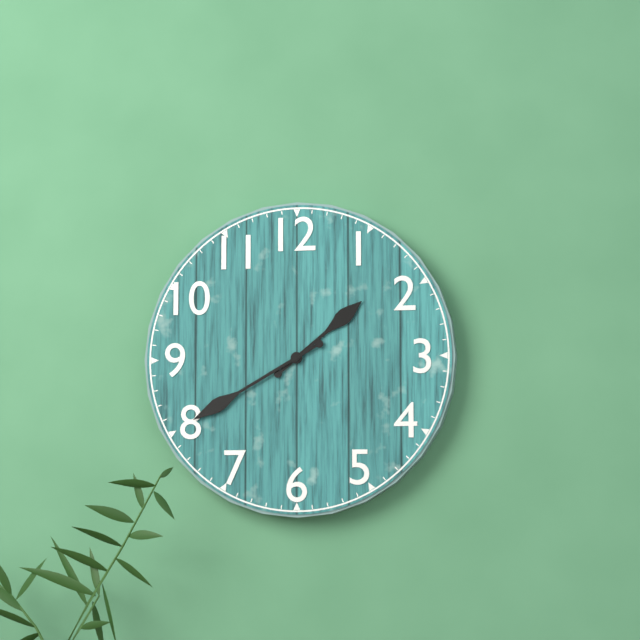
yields 1h40
